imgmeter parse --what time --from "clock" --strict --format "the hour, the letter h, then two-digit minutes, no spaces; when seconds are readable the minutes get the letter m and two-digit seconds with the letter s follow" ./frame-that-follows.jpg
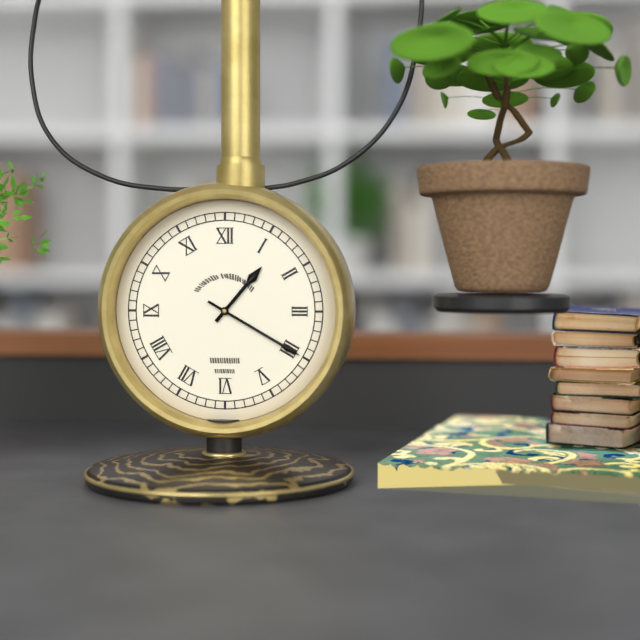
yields 1h20
